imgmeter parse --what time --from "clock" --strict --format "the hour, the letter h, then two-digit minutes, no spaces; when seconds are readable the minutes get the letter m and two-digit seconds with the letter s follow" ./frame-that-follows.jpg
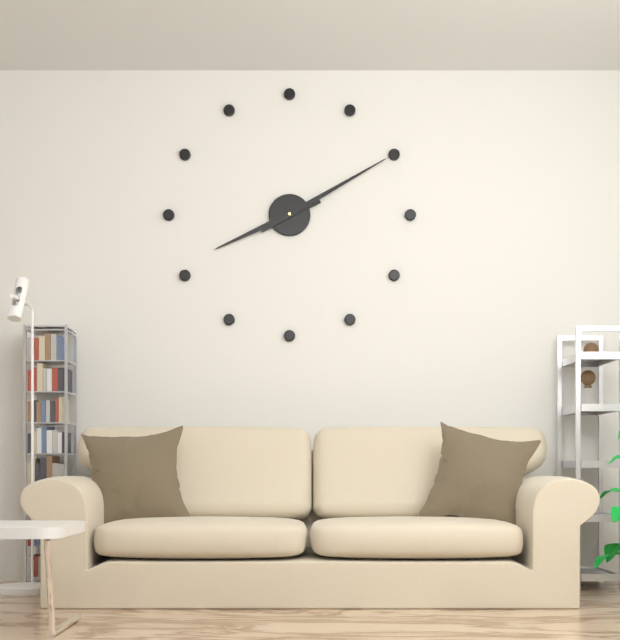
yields 8h10
